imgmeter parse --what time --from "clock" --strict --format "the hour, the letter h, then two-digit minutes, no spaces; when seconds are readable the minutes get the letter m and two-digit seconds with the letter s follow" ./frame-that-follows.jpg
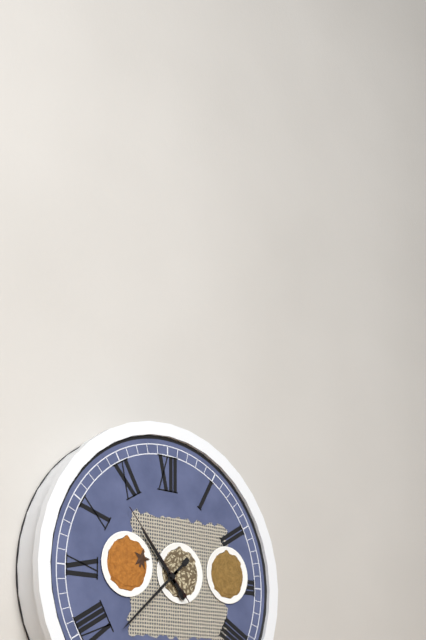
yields 10h38m53s
